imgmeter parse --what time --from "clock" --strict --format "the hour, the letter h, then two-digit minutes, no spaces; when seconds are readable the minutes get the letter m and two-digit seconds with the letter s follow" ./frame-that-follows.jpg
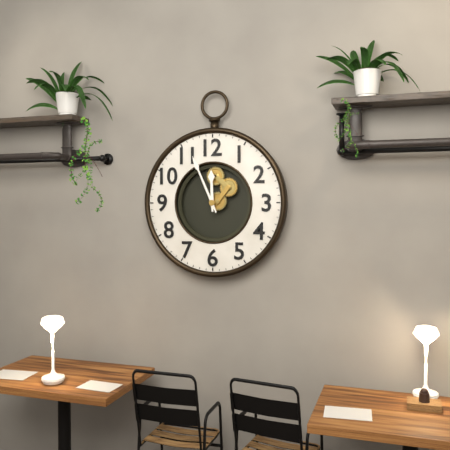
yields 11h56
